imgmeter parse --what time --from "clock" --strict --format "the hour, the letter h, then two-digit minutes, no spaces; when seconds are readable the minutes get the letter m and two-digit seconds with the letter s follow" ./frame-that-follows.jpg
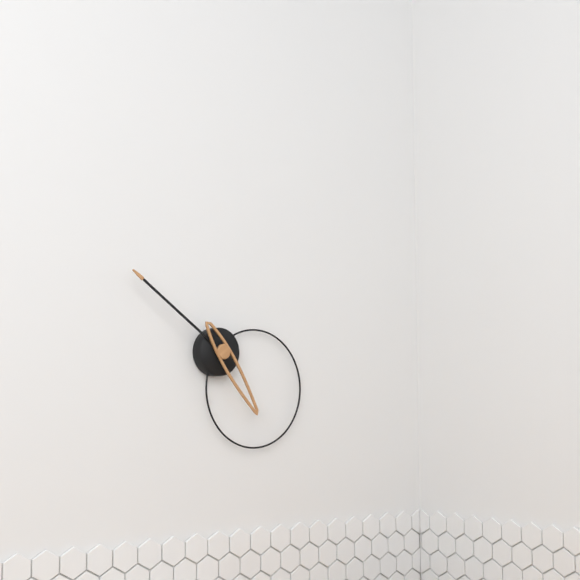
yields 4h51
